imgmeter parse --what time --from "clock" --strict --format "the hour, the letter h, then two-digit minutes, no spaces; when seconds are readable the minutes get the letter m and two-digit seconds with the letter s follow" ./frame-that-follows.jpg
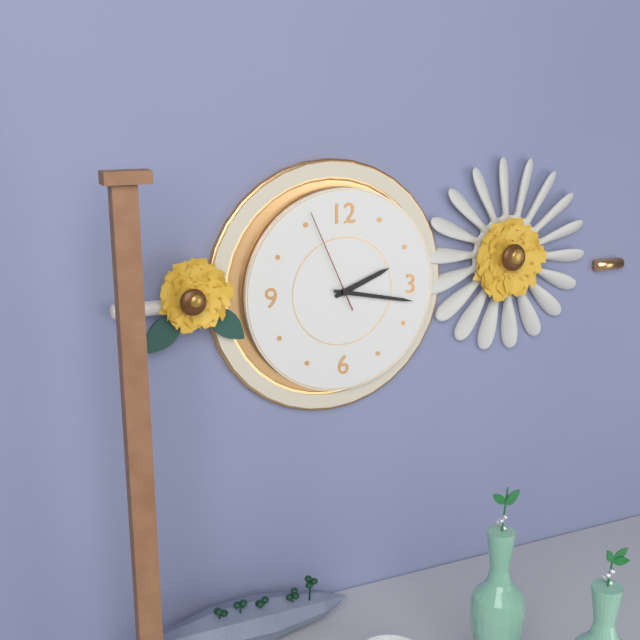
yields 2h17m56s
